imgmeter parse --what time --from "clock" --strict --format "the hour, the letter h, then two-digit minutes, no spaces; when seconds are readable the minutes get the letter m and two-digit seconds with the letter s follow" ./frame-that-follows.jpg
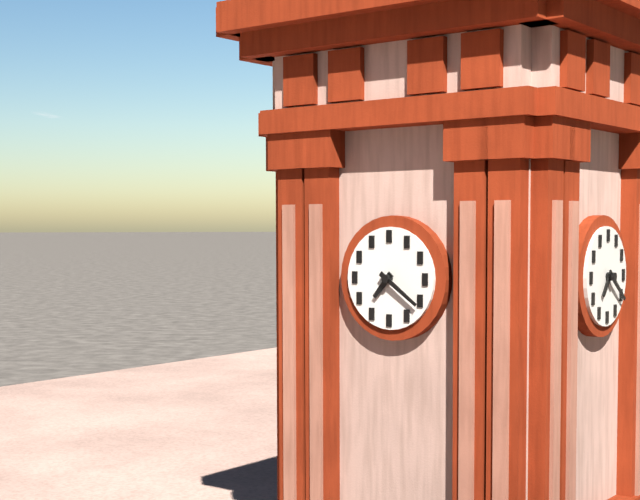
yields 7h21
